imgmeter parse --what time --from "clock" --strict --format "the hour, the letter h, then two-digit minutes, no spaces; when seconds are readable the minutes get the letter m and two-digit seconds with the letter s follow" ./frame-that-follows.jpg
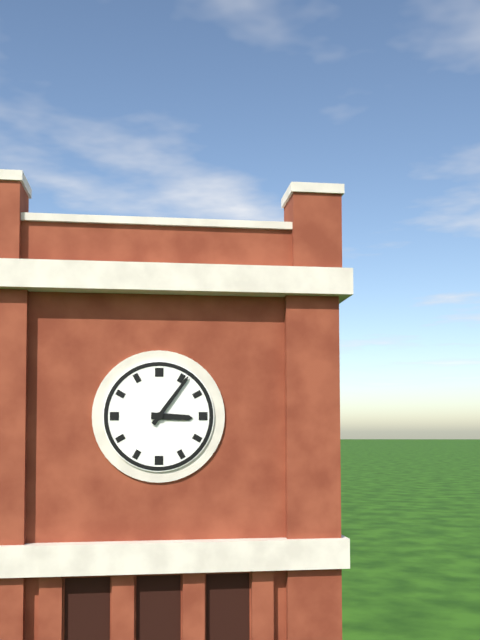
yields 3h06
